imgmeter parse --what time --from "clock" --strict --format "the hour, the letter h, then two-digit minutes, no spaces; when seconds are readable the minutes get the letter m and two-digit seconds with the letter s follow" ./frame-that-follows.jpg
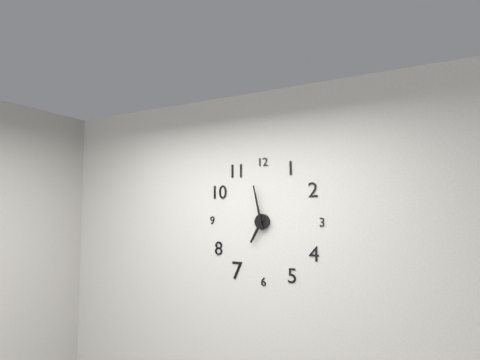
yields 6h58
